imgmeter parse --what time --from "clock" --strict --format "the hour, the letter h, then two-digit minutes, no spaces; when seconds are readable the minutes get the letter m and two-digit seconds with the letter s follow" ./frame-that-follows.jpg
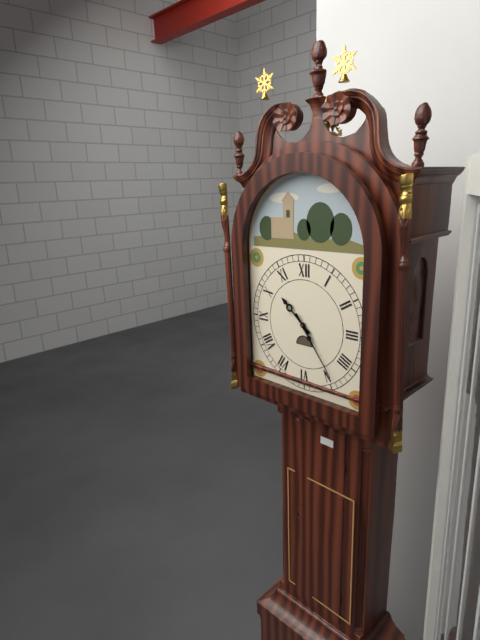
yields 10h24
